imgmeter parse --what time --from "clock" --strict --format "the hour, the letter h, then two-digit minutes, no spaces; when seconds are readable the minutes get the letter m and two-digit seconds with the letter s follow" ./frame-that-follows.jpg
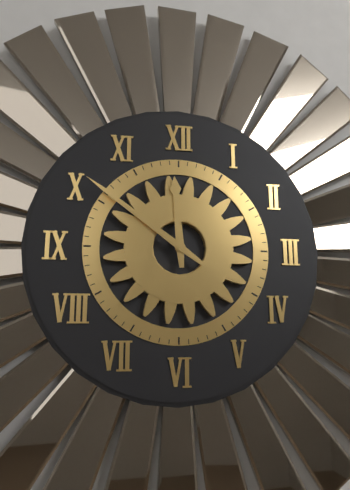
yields 11h51
